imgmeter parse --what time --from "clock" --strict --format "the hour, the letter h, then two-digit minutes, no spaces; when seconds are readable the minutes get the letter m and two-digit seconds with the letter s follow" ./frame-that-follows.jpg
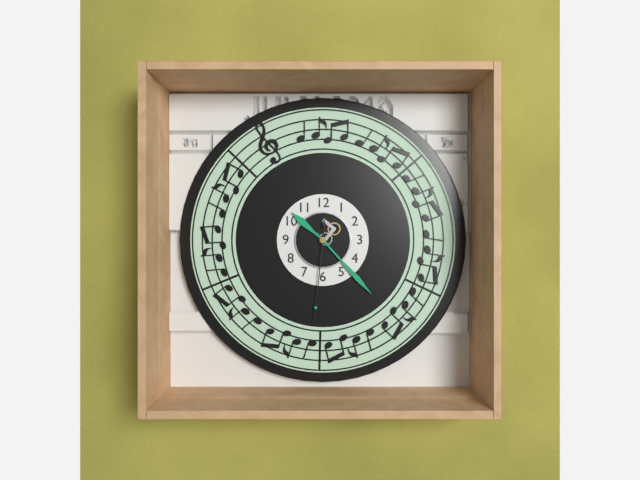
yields 10h23m31s
